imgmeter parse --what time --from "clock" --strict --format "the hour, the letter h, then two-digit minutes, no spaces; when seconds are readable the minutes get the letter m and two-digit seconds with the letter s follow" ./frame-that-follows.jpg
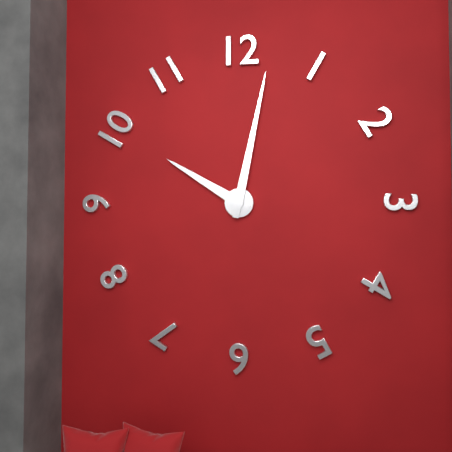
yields 10h02
